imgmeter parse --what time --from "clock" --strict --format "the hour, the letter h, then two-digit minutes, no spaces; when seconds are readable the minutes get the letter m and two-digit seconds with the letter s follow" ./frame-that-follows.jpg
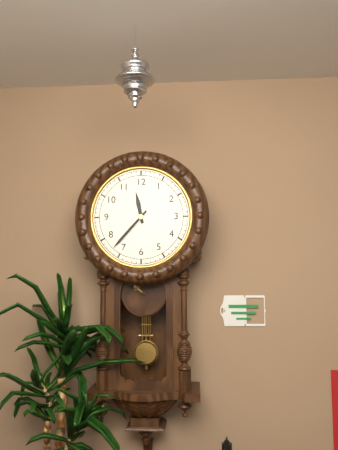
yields 11h37
